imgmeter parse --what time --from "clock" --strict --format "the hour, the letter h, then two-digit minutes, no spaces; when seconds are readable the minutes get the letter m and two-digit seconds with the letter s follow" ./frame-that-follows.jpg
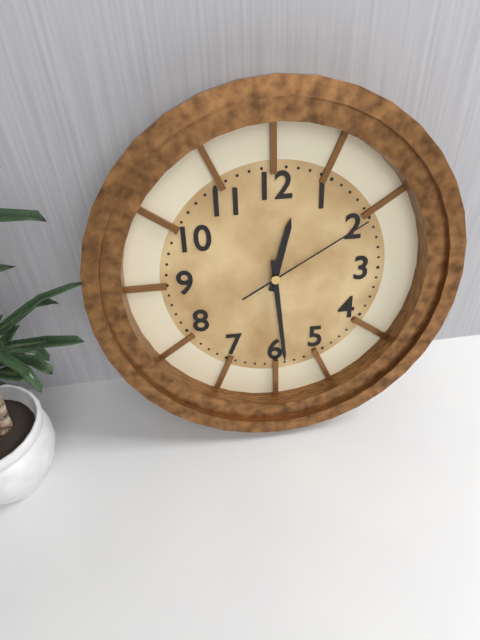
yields 12h29m10s
